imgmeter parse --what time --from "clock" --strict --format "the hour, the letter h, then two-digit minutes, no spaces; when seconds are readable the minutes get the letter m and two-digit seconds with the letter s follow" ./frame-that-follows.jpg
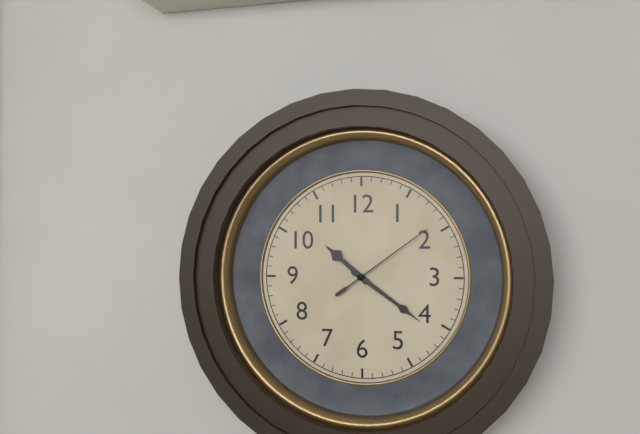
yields 10h21m09s
